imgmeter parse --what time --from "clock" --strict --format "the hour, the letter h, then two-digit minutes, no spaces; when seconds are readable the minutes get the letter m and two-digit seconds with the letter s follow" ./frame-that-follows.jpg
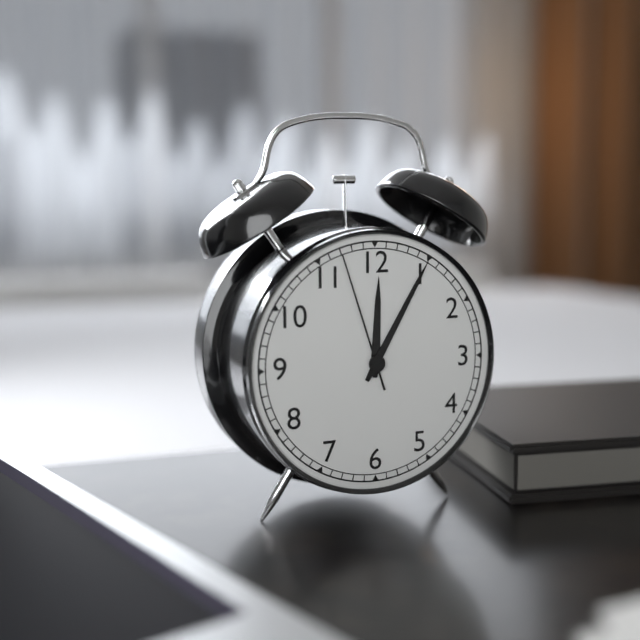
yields 12h05m57s
